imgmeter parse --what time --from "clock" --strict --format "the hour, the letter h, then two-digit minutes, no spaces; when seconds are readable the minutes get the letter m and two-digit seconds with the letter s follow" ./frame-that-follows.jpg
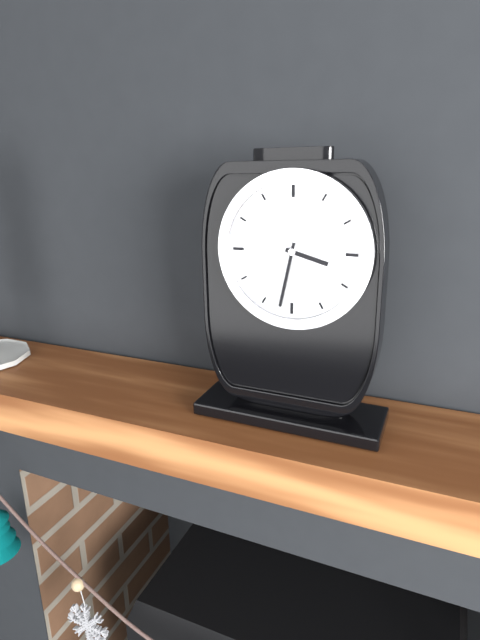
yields 3h32
